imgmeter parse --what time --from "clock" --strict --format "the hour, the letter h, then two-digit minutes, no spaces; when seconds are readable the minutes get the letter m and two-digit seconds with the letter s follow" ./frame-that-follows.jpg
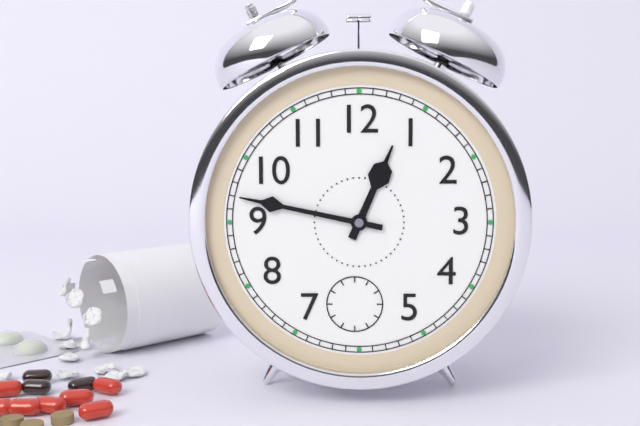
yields 12h47
